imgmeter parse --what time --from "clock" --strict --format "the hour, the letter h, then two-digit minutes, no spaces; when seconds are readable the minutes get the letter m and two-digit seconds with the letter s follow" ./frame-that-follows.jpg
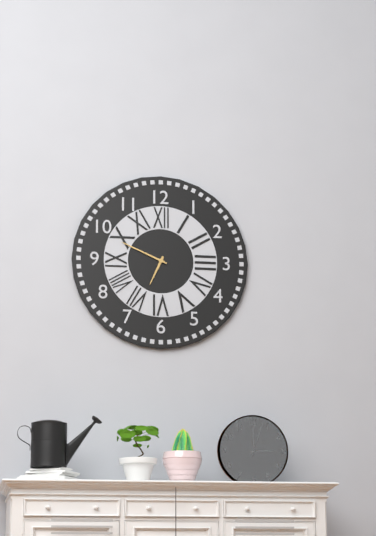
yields 6h49
